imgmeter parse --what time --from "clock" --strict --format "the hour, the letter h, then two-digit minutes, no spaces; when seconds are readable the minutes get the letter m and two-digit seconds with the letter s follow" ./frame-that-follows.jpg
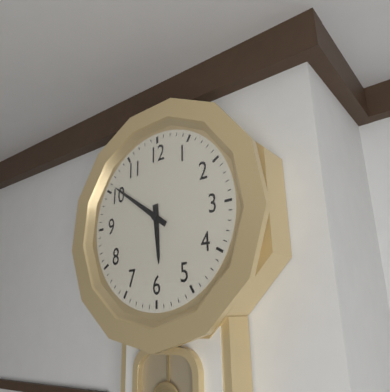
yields 5h51
